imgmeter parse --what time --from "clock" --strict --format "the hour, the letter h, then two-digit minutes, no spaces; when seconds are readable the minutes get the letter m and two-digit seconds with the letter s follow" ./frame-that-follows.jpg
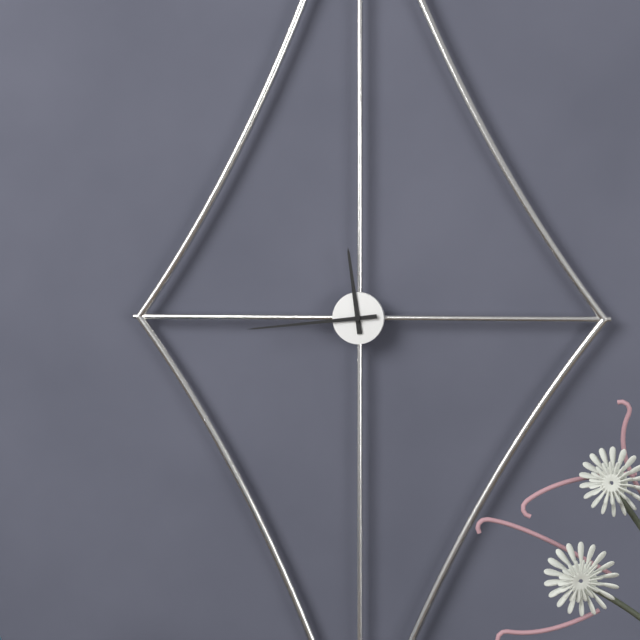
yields 11h44
